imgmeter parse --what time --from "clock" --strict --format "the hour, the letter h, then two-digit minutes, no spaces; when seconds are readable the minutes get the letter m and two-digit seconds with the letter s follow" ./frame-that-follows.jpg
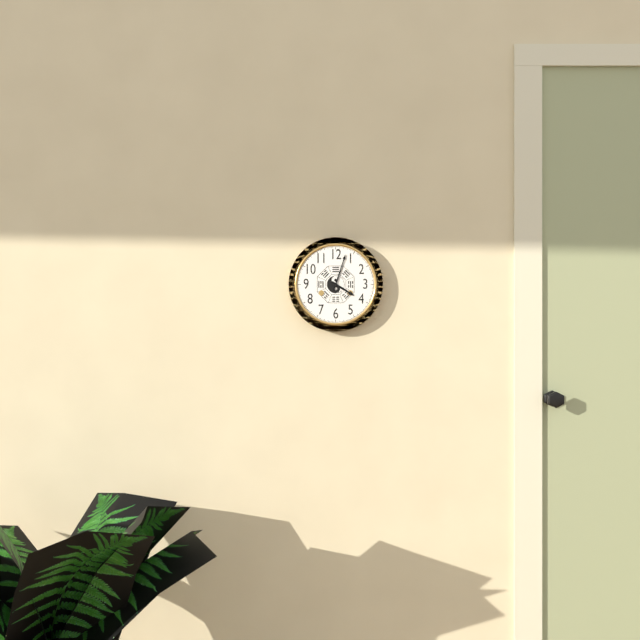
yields 4h03
